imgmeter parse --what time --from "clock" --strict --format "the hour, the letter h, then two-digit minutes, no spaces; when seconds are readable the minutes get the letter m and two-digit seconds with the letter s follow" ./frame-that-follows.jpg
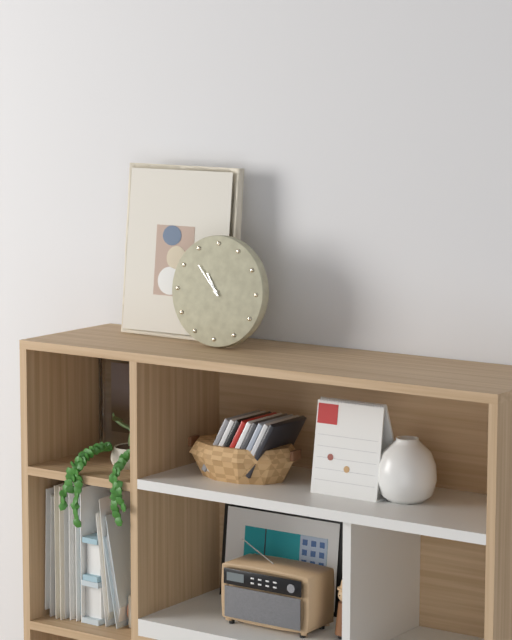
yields 10h53
